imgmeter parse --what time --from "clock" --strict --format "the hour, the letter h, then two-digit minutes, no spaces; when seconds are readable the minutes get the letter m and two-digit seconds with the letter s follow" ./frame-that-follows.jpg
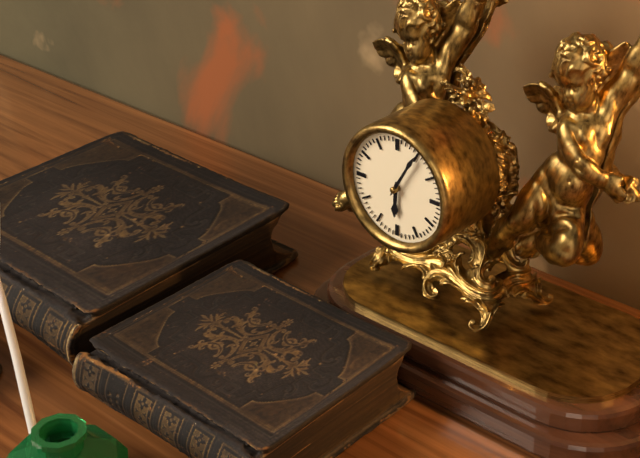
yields 6h05
